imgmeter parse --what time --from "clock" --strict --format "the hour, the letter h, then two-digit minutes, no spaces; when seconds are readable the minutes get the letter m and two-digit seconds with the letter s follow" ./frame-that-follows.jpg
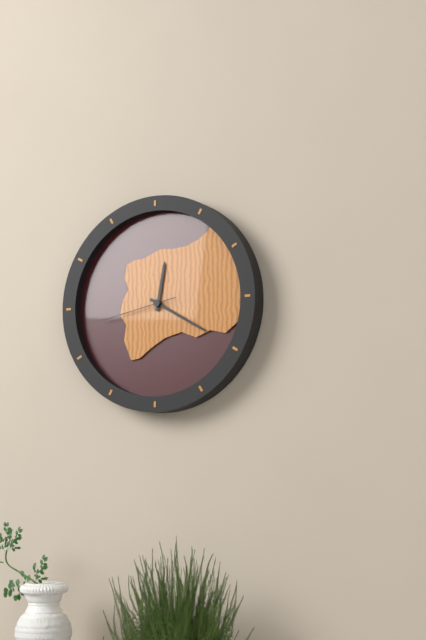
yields 12h20m43s
